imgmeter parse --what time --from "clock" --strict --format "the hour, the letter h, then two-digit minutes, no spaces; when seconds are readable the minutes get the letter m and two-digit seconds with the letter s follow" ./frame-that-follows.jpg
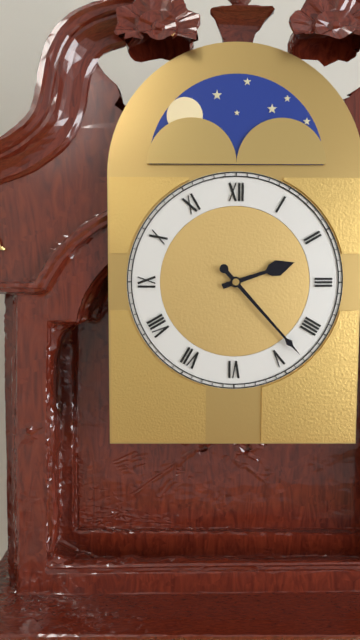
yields 2h23
